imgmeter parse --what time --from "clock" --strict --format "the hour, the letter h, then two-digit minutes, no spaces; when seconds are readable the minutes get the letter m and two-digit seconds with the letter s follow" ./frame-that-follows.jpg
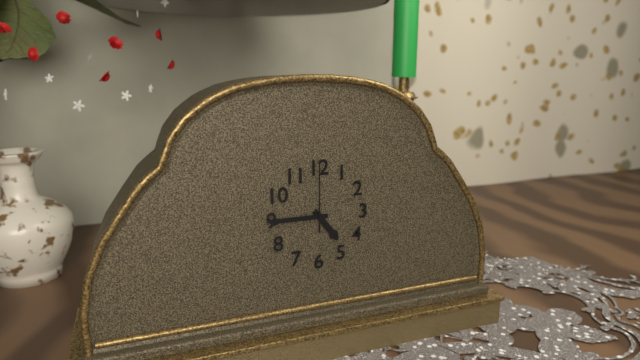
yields 4h45m00s
